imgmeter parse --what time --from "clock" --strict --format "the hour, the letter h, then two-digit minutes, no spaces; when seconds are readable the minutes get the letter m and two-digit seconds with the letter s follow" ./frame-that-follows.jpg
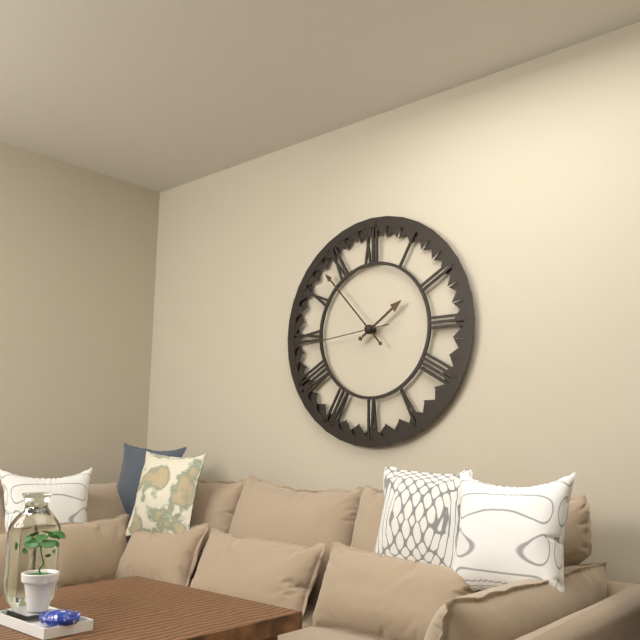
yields 1h53m44s
